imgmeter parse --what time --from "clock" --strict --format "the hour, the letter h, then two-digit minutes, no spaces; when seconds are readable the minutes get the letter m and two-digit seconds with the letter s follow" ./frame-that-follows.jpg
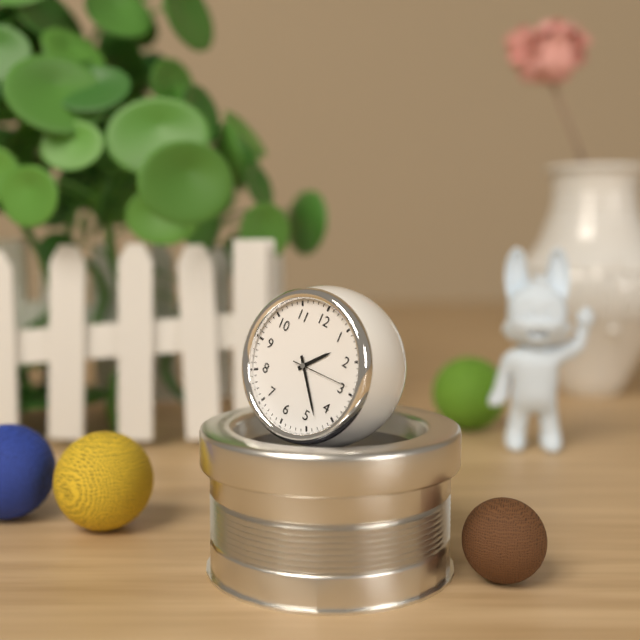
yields 1h23m14s
